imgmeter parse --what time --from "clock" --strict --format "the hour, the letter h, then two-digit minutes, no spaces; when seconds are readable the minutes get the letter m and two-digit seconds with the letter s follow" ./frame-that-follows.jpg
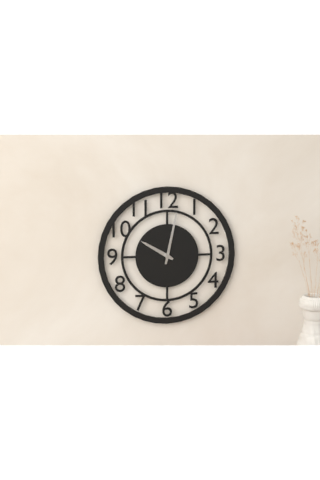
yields 10h02
